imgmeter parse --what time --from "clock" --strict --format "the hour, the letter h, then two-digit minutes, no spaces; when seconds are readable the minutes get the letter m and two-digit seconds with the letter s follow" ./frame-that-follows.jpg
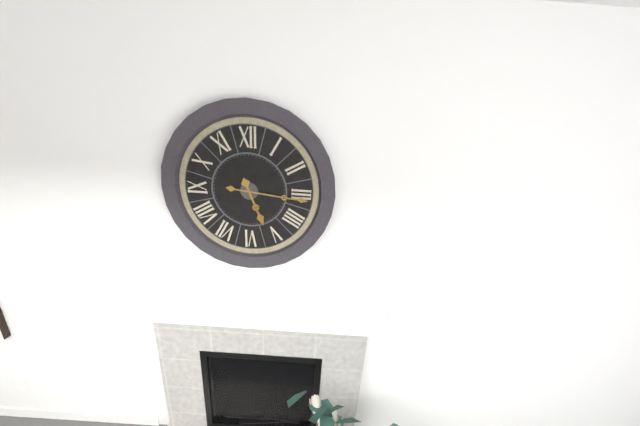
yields 5h16
